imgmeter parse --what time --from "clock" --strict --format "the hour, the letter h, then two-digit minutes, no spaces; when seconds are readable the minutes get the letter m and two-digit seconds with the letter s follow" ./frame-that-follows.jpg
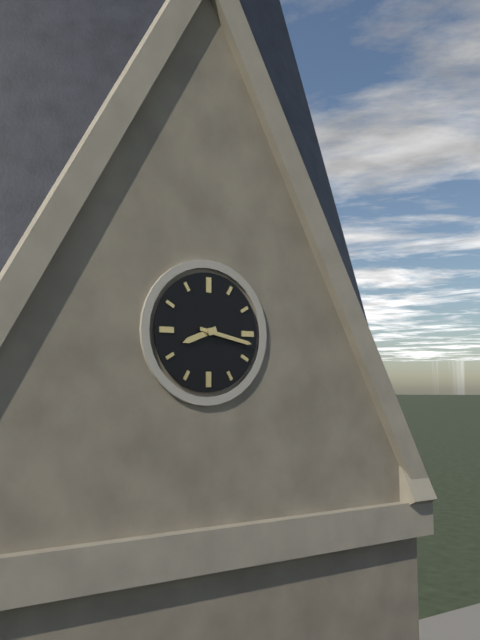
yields 8h17
